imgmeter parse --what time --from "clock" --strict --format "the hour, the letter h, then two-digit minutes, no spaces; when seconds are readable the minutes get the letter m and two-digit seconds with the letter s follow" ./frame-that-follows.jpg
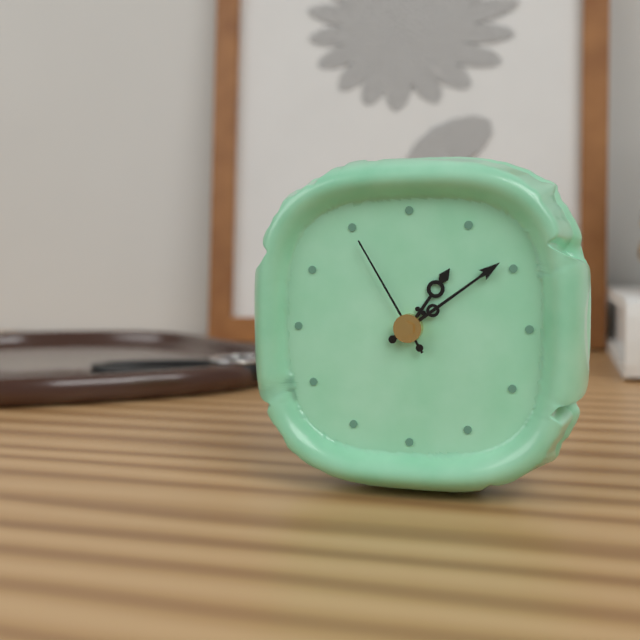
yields 1h09m55s
